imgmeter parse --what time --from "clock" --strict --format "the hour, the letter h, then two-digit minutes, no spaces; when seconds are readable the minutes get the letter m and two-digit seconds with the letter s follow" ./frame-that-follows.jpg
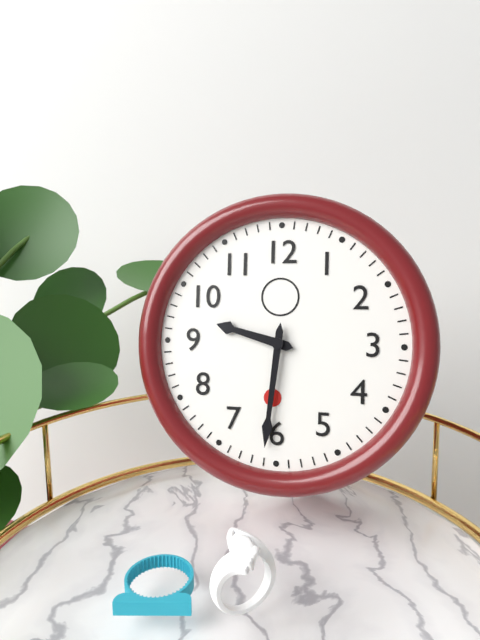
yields 9h31
